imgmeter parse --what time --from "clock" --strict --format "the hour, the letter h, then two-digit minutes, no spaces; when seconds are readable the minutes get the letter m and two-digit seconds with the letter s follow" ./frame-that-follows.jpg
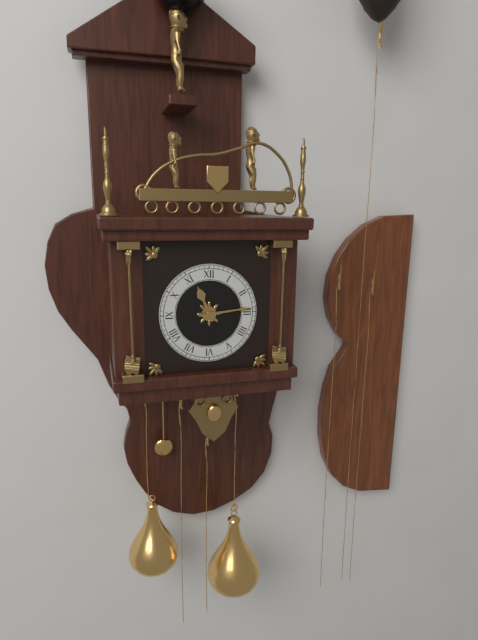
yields 11h14
